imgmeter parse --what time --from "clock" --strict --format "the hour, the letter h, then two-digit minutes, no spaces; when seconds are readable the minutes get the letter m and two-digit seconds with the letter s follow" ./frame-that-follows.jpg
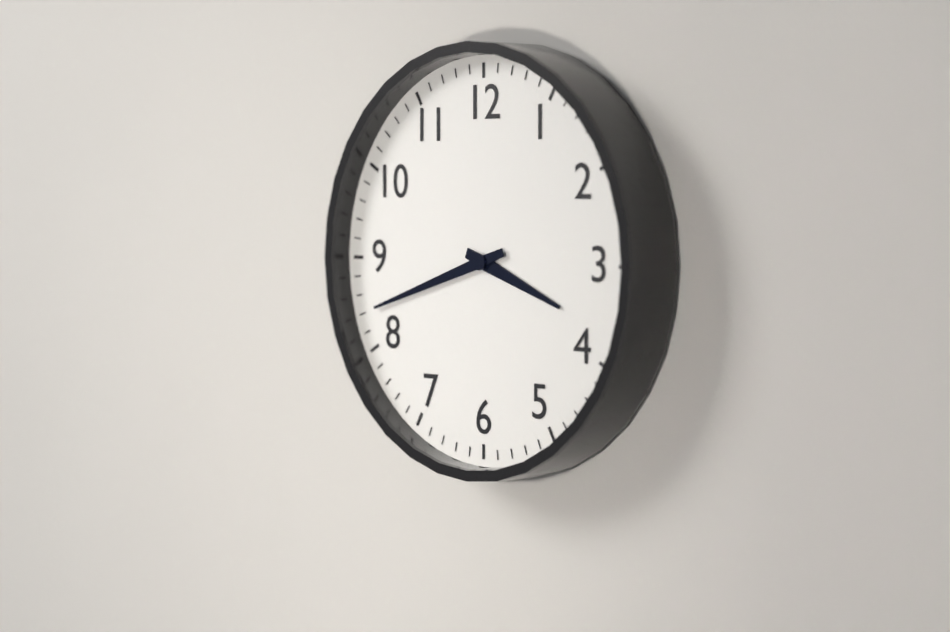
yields 3h42
